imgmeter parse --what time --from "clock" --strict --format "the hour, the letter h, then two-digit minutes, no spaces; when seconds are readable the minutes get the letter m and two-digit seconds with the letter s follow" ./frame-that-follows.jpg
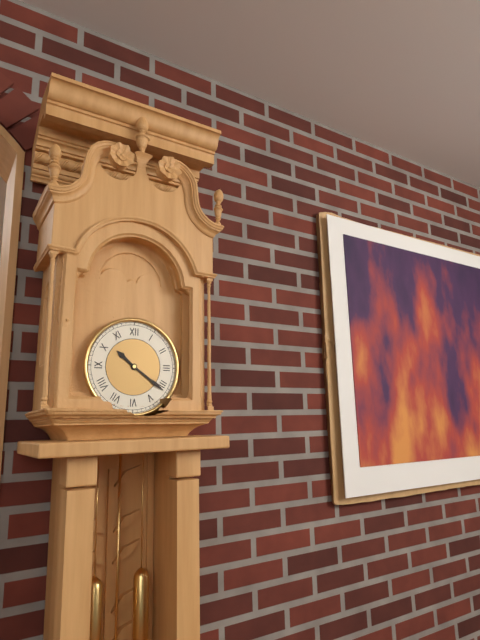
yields 10h21
